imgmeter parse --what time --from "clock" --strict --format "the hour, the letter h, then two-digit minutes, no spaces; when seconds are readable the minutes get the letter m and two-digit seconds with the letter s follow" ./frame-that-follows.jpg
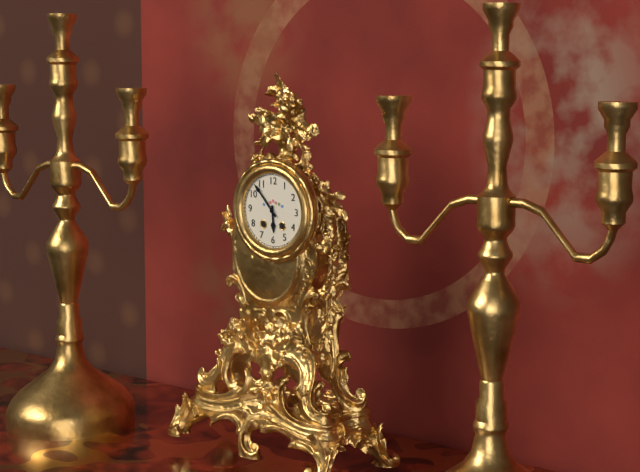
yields 5h53
